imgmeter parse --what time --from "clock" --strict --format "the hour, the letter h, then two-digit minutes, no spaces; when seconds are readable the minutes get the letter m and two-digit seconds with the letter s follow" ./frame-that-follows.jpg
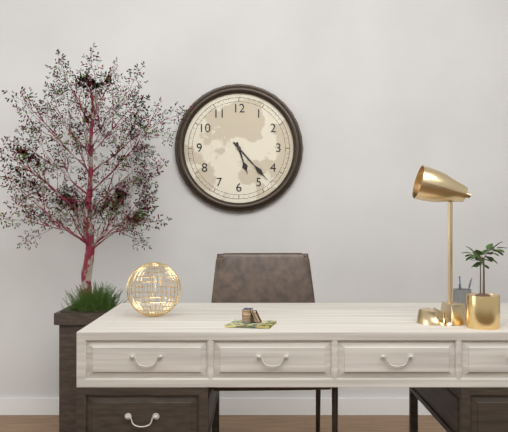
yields 5h23
